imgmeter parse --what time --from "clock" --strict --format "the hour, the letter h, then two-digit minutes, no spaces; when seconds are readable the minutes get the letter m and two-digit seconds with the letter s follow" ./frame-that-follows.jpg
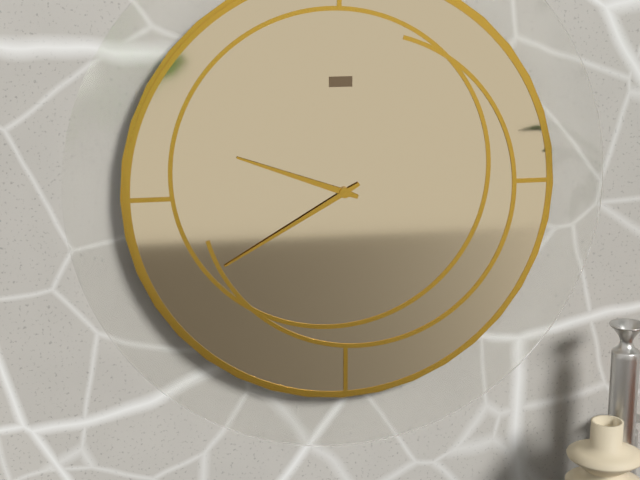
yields 9h40
